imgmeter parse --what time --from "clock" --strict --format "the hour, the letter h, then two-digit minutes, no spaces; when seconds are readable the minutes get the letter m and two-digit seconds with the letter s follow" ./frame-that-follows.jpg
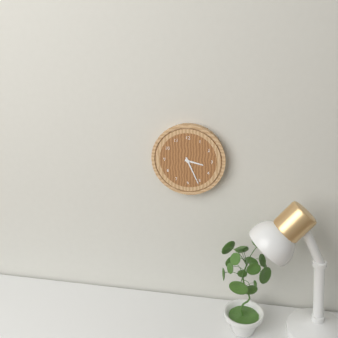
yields 3h26
